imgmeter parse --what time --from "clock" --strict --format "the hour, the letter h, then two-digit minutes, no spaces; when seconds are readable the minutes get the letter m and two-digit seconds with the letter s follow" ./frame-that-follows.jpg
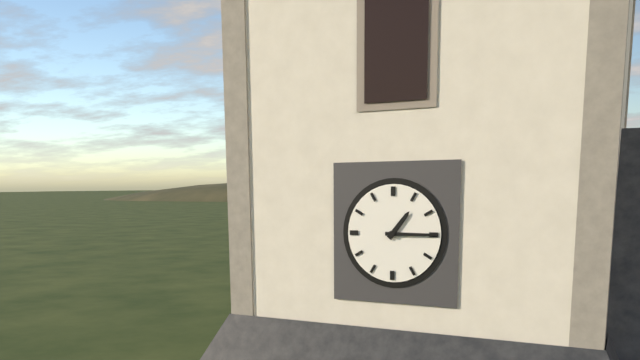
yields 1h15
